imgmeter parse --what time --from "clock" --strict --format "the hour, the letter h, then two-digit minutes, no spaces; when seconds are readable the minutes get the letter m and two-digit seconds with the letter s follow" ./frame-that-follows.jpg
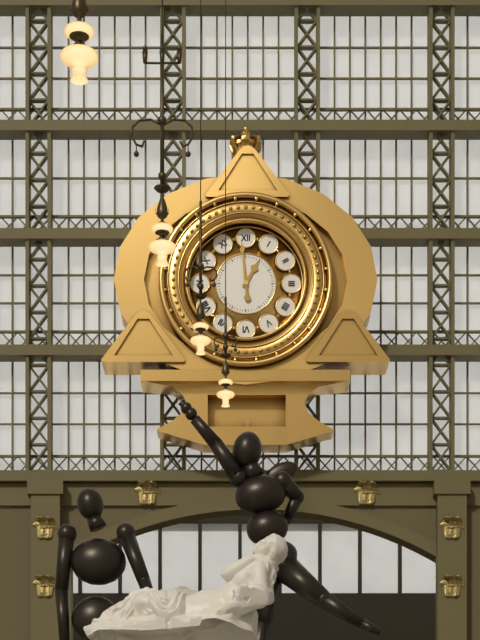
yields 12h59
